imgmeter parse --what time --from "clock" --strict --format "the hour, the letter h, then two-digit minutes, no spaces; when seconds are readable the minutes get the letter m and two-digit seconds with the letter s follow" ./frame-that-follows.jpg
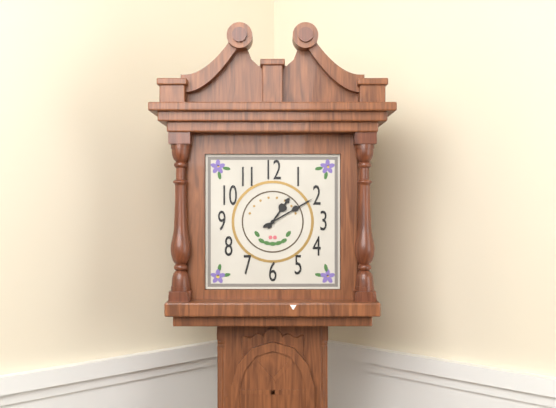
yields 1h10
